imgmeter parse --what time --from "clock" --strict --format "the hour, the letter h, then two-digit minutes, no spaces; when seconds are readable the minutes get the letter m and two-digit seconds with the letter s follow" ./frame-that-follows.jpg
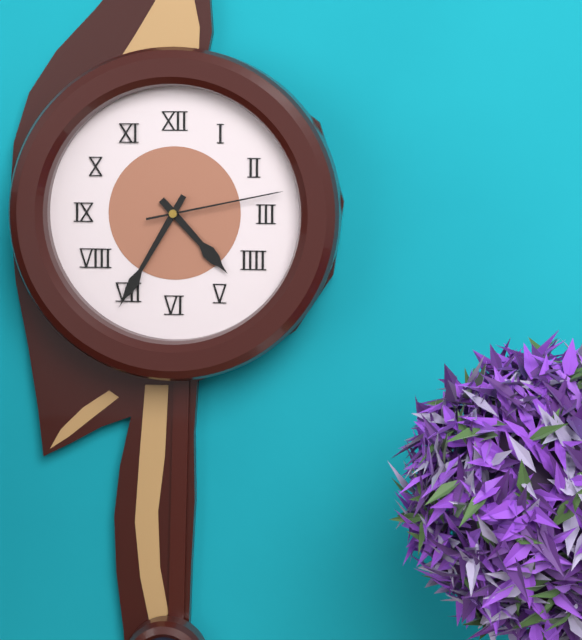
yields 4h35m13s
